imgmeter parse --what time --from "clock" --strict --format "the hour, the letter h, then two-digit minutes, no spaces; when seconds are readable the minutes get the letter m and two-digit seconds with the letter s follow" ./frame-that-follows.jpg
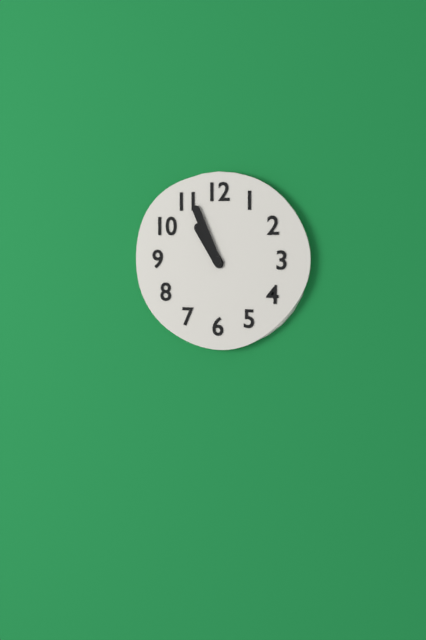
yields 10h56
